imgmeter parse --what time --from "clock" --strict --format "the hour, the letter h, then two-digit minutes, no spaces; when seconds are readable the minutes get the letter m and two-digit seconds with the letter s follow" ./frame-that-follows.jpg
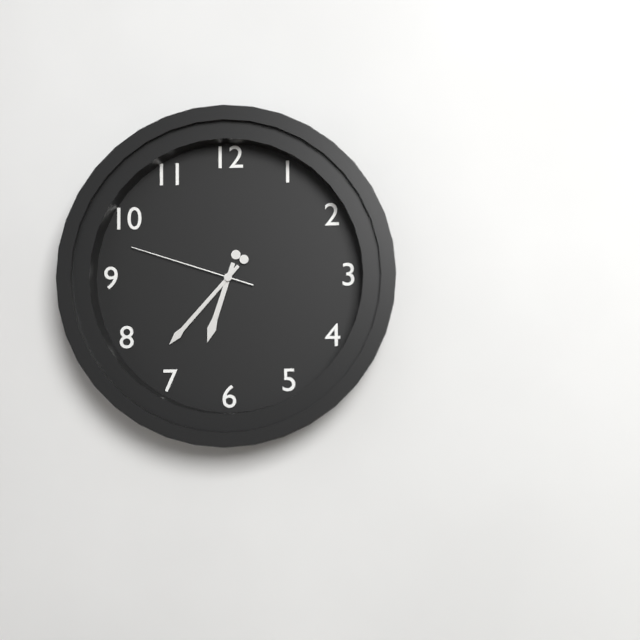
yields 6h37m48s
